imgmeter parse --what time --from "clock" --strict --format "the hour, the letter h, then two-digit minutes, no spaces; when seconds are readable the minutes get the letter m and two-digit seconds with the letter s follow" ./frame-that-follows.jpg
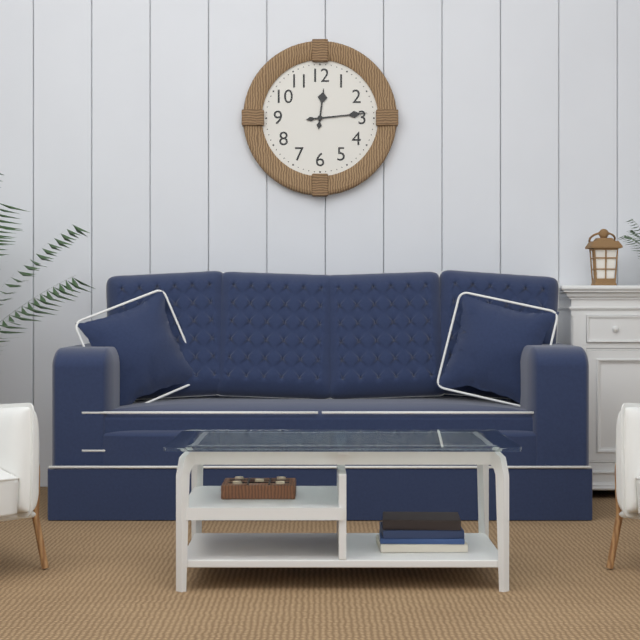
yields 12h14
